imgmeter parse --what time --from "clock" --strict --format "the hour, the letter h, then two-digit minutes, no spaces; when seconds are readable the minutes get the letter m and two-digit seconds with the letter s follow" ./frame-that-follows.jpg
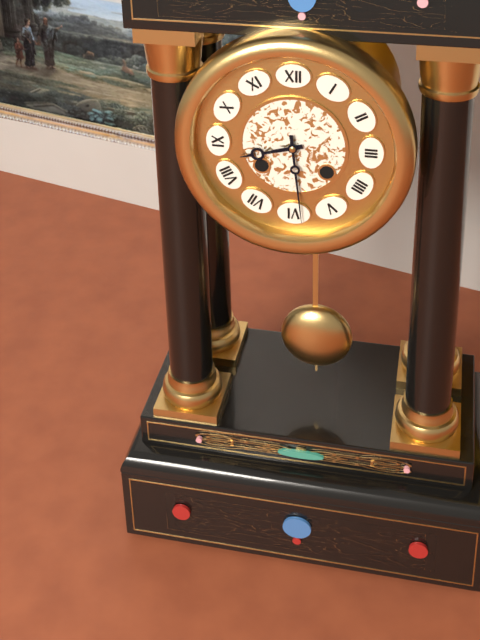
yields 8h29
